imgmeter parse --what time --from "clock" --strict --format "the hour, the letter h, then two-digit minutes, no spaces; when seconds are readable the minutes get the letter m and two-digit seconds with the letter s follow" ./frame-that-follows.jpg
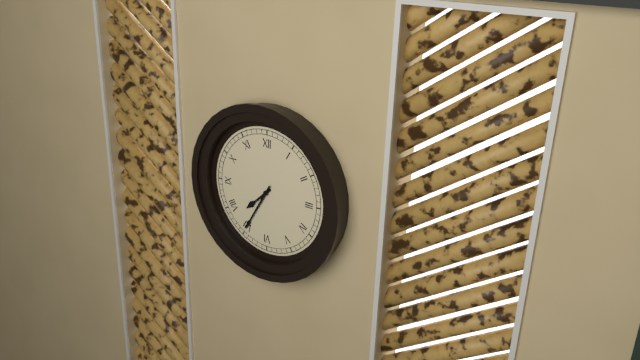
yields 7h35
